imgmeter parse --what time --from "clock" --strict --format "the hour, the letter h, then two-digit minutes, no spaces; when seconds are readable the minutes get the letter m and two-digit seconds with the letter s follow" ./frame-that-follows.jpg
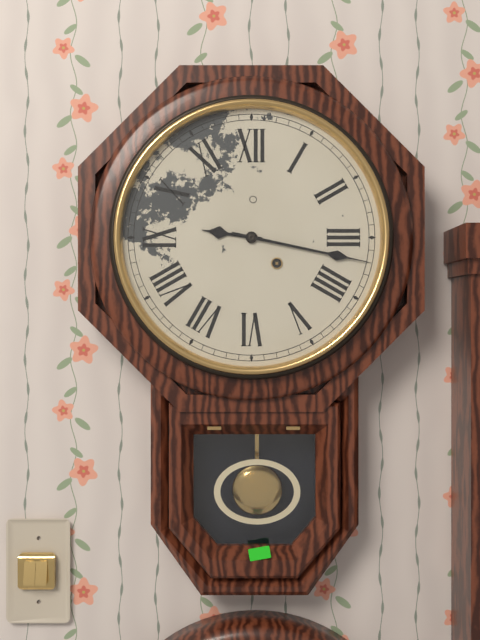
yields 9h17
